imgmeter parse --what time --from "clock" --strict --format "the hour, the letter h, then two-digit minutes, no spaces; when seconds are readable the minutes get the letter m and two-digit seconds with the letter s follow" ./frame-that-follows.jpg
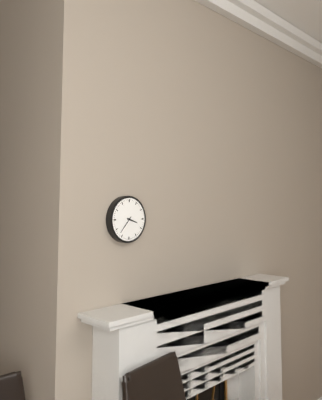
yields 3h37
